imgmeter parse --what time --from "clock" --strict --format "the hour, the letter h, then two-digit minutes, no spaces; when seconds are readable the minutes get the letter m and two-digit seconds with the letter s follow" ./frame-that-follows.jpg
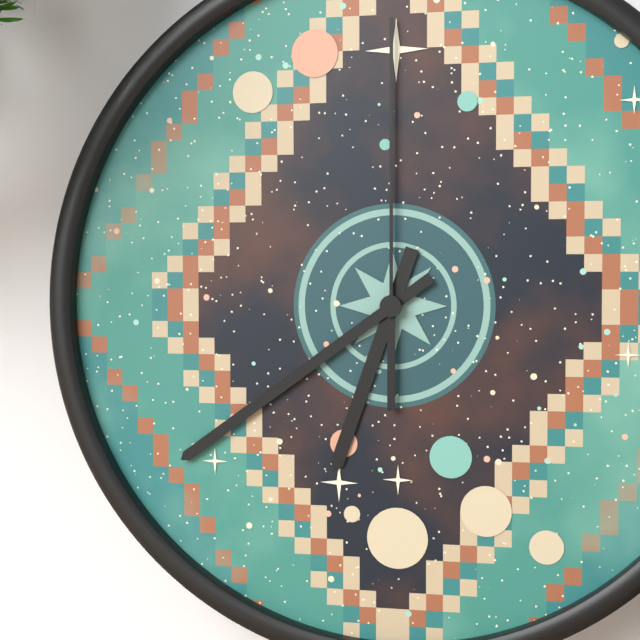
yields 6h39m00s
